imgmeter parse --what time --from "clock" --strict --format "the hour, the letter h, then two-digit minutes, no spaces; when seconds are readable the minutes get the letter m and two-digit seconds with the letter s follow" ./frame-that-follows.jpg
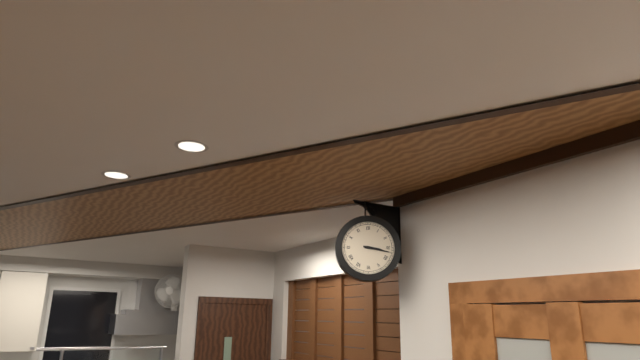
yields 3h17
